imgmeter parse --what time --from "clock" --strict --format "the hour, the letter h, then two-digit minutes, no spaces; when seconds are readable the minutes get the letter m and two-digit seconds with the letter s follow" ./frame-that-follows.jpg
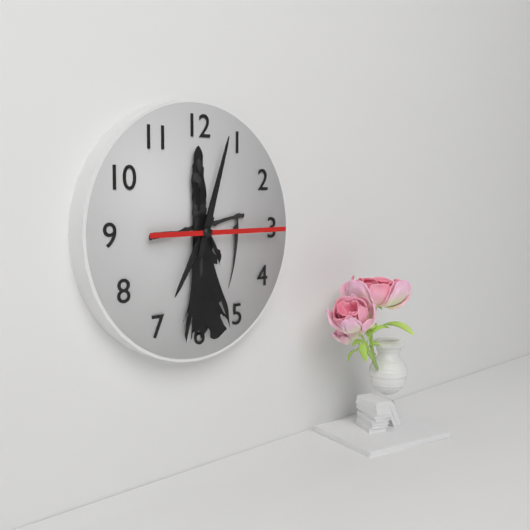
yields 7h03m15s
